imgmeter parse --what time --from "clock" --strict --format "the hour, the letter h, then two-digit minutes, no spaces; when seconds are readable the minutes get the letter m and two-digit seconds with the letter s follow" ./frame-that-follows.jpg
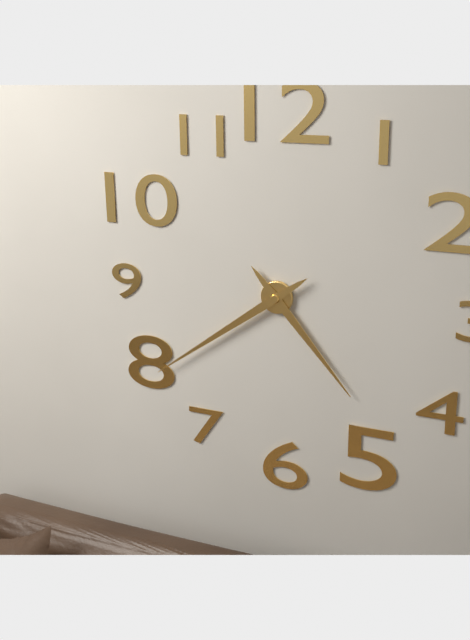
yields 4h39
